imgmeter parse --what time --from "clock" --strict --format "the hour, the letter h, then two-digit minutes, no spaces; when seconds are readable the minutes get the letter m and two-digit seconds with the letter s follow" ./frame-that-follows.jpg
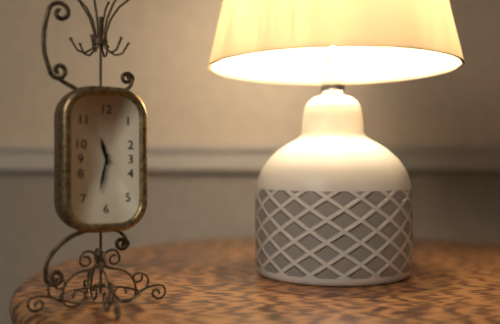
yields 11h32
